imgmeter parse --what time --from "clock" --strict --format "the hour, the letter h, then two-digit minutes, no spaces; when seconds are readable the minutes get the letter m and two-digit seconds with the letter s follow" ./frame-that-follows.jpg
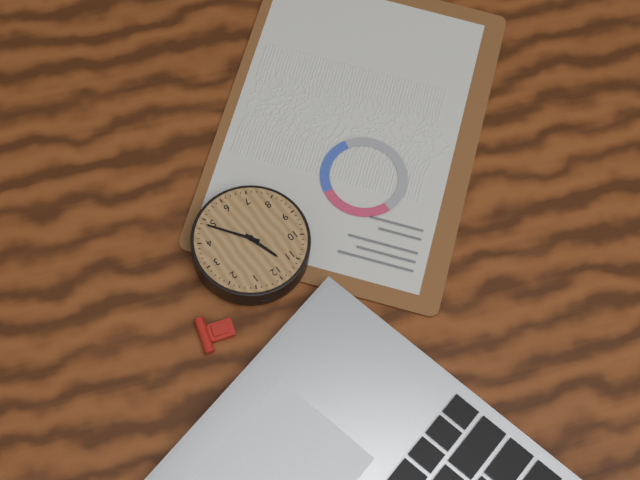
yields 11h24
